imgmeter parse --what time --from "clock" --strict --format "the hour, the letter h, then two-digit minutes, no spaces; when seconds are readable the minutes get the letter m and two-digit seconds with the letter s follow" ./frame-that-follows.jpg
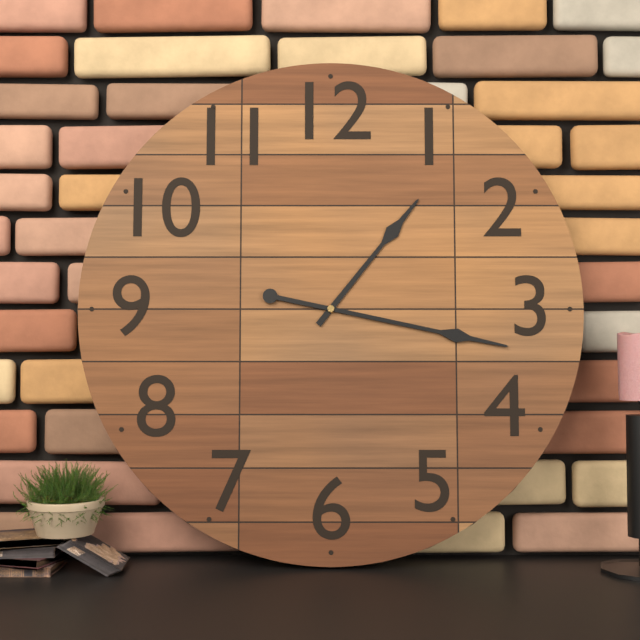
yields 1h17
